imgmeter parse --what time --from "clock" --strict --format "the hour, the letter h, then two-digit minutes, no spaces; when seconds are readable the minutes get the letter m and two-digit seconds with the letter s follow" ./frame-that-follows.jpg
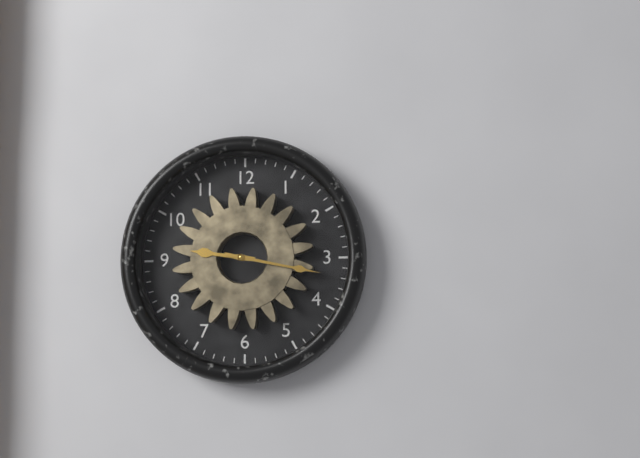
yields 9h17
